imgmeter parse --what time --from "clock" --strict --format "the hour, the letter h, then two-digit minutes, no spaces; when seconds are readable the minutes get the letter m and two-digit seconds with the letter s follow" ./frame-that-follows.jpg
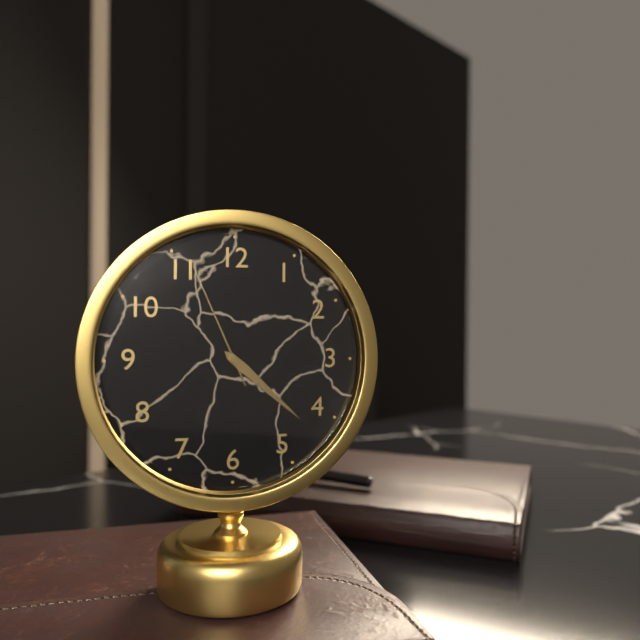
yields 4h22m56s
